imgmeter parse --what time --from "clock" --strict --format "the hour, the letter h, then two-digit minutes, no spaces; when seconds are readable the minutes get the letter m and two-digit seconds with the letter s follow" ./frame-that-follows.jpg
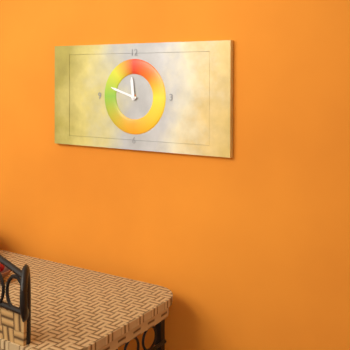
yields 11h48
